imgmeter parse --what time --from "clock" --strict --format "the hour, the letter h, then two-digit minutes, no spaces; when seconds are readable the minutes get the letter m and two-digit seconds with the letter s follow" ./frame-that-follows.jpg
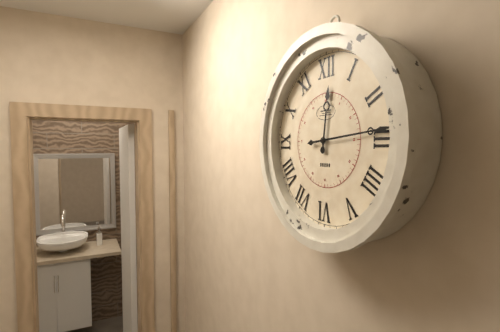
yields 12h14
